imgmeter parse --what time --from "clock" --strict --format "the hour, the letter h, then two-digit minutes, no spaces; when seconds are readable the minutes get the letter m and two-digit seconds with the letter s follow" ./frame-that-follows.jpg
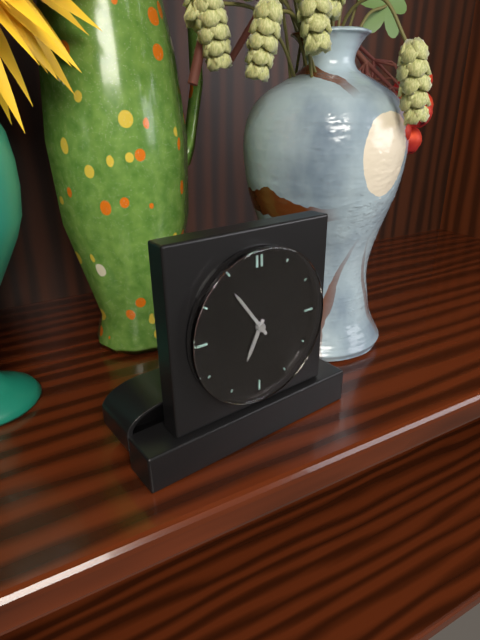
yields 6h54
